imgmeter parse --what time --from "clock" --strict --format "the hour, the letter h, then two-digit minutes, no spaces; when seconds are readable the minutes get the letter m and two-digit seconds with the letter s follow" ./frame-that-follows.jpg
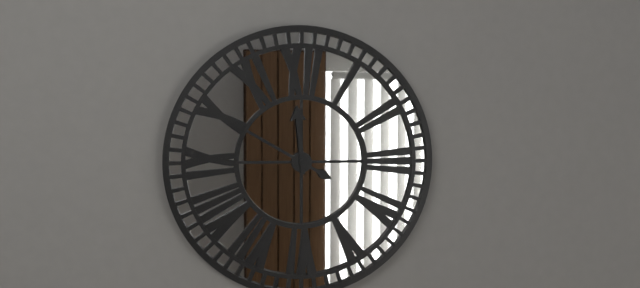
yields 11h50
